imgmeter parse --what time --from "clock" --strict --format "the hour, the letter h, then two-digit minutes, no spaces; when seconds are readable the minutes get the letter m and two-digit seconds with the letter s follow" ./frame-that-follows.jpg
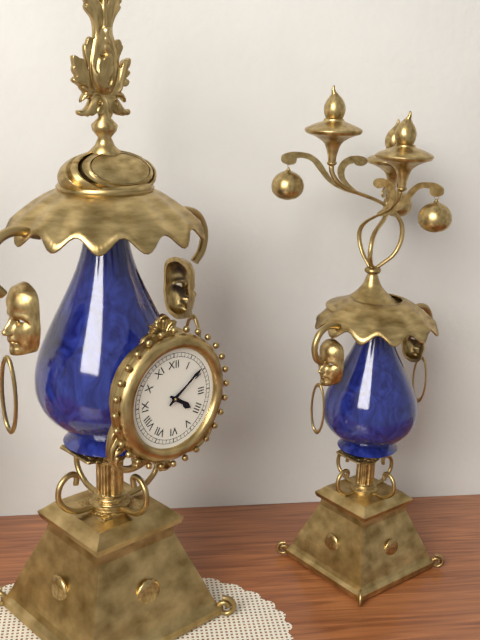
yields 4h09
